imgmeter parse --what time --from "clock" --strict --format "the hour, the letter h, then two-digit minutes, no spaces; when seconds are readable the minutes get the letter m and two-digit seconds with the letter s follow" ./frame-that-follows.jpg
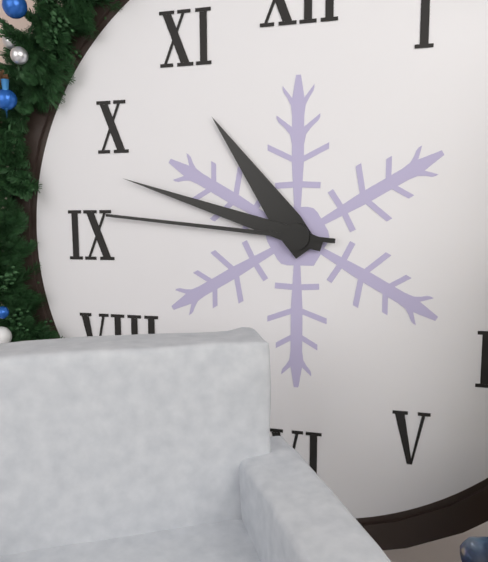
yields 10h48m46s
